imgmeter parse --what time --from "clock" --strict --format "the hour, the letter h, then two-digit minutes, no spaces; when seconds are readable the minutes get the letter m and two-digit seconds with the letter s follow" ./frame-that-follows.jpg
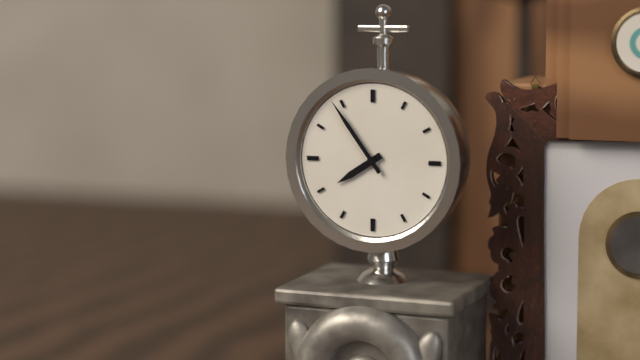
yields 7h54
